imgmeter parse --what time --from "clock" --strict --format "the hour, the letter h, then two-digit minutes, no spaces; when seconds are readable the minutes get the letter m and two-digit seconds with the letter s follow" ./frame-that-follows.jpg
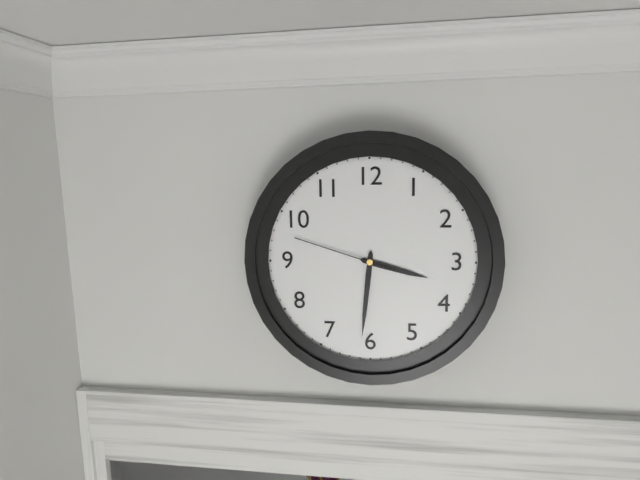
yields 3h31m48s
